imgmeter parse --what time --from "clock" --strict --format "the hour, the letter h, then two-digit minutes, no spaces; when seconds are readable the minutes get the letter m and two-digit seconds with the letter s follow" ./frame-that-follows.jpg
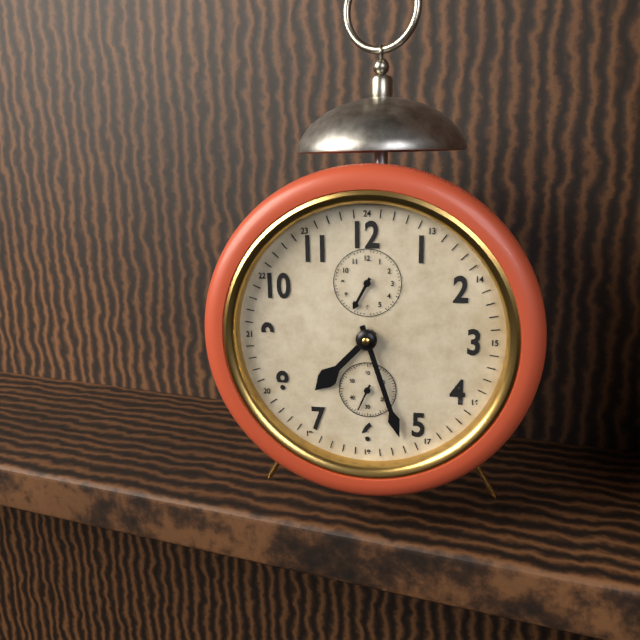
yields 7h27
